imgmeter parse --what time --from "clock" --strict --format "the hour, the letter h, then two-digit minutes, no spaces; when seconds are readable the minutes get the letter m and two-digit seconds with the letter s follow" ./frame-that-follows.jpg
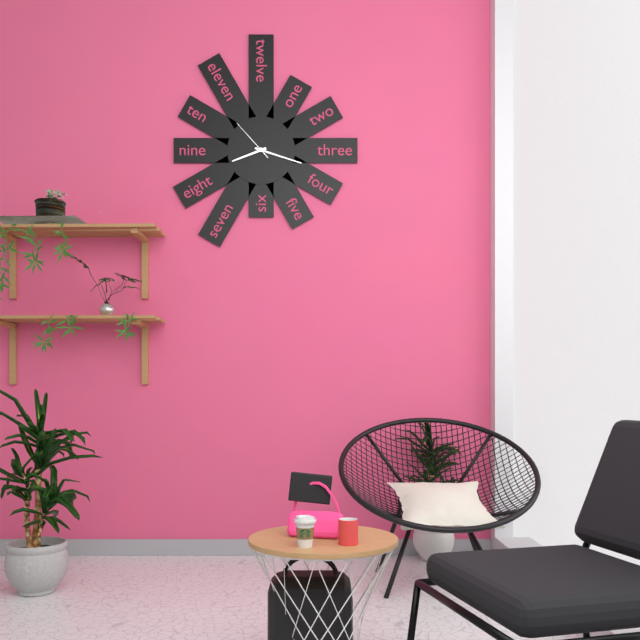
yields 8h18
